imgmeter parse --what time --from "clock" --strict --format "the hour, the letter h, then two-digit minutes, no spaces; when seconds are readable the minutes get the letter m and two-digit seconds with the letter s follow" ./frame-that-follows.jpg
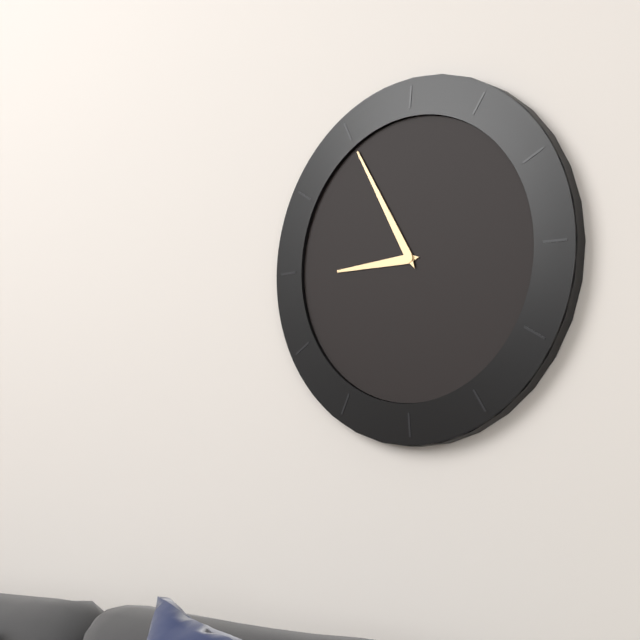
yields 8h55
